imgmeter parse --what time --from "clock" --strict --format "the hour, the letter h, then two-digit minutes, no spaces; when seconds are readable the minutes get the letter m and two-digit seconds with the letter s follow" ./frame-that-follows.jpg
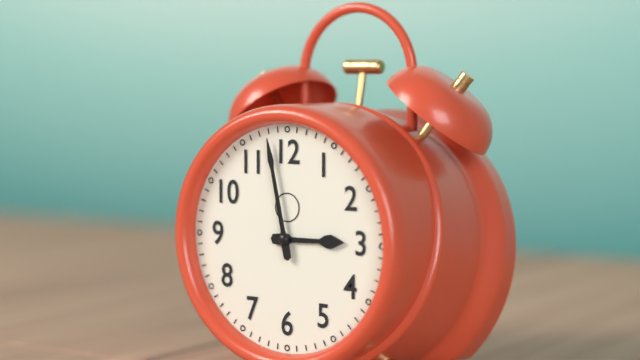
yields 2h58
